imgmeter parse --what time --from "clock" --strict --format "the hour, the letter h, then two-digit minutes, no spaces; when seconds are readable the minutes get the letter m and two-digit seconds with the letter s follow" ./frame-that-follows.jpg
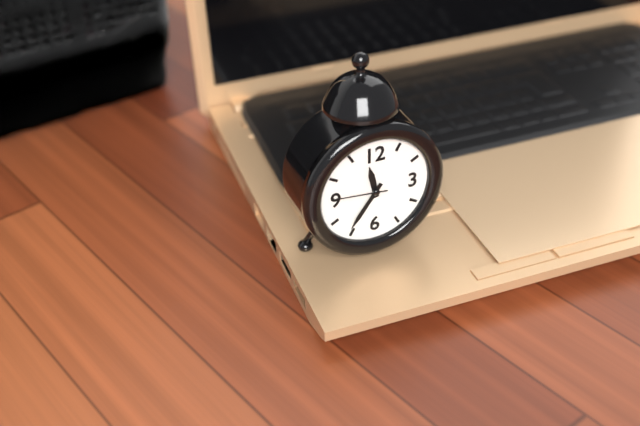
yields 11h36m46s
